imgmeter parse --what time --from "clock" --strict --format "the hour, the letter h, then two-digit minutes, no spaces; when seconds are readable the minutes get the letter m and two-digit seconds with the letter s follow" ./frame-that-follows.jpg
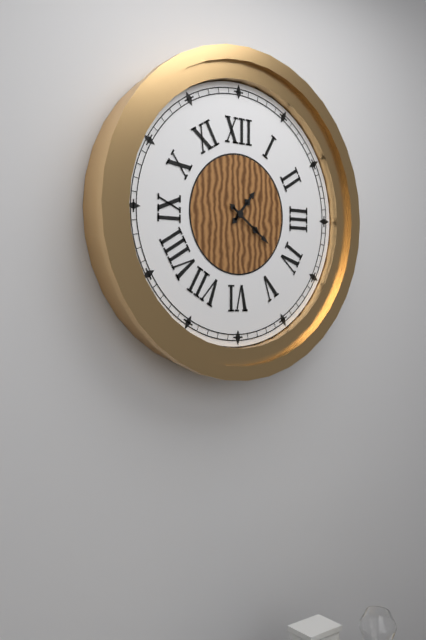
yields 1h21
